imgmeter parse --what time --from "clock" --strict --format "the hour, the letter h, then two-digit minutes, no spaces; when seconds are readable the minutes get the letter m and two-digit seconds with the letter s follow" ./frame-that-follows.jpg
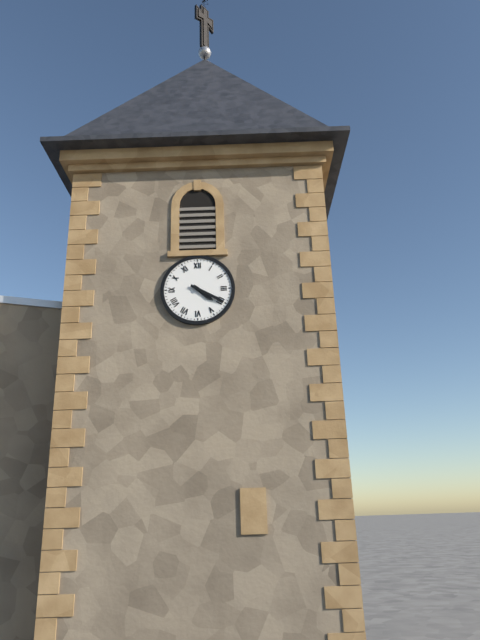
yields 4h20
